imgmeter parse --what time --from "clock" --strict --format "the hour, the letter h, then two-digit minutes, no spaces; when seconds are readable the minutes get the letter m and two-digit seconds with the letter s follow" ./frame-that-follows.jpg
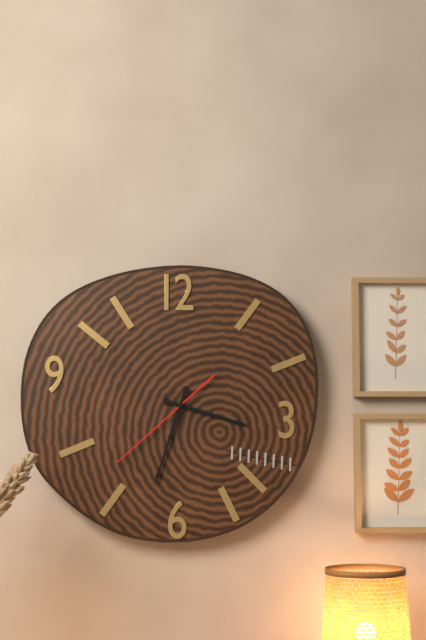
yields 3h33m38s
